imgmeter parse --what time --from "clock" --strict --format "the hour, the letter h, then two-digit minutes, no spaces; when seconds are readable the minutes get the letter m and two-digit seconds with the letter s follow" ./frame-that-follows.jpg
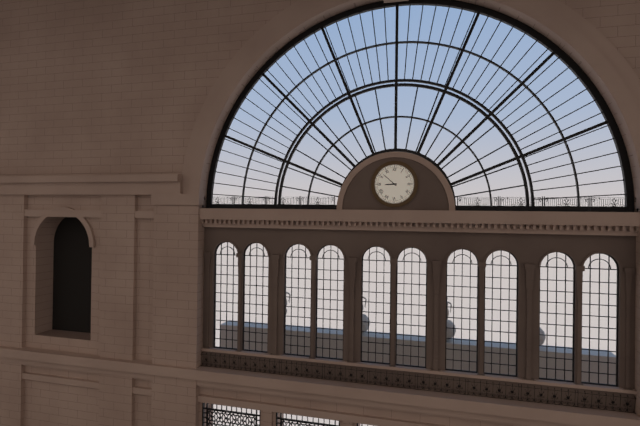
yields 8h52
